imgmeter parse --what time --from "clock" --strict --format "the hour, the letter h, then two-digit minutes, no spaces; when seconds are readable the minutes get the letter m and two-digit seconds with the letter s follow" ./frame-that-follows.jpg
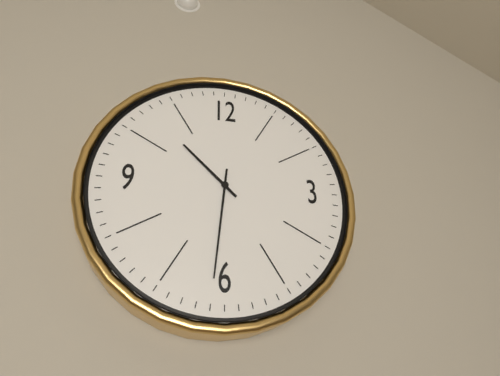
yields 10h31
